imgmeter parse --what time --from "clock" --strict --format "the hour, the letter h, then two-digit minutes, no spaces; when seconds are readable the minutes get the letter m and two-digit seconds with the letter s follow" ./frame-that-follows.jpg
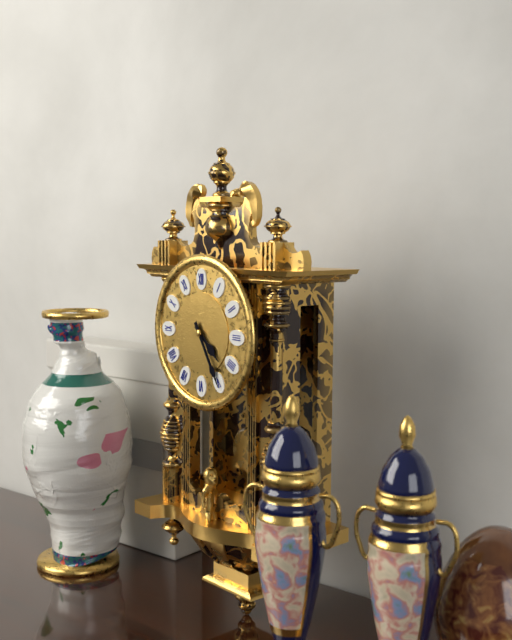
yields 4h25
